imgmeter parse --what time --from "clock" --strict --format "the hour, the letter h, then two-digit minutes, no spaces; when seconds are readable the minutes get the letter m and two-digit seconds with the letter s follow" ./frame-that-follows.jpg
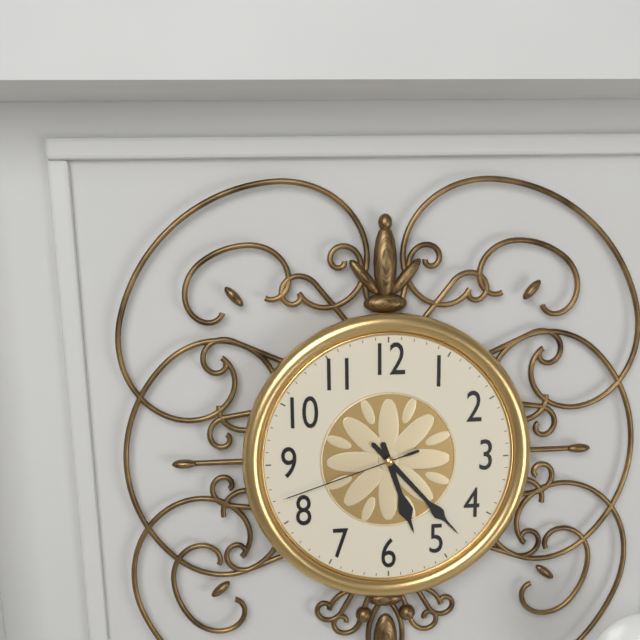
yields 5h23m42s
